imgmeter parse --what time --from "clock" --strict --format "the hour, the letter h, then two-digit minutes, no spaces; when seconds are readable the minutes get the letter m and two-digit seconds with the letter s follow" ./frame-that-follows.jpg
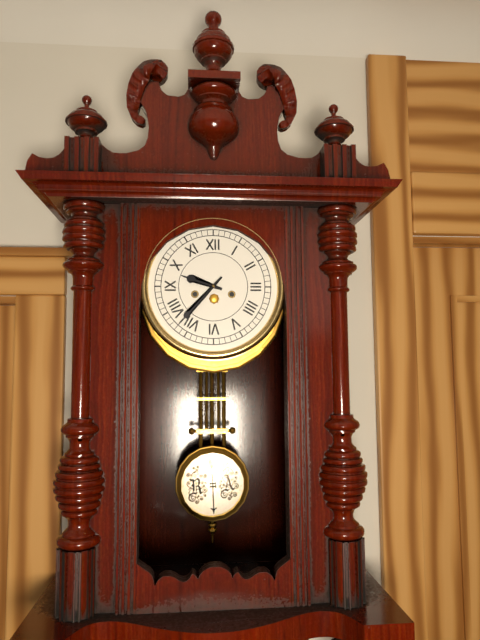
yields 9h37
